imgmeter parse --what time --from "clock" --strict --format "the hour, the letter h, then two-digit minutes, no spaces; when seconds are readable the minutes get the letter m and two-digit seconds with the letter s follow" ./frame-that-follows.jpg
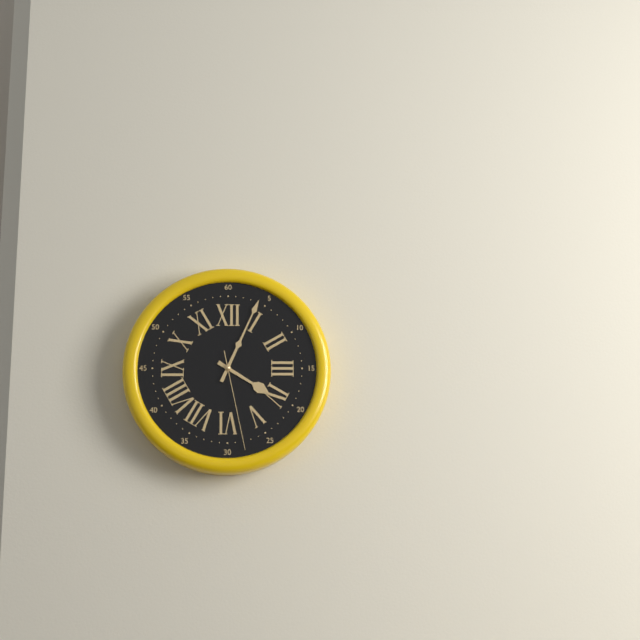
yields 4h04m28s
